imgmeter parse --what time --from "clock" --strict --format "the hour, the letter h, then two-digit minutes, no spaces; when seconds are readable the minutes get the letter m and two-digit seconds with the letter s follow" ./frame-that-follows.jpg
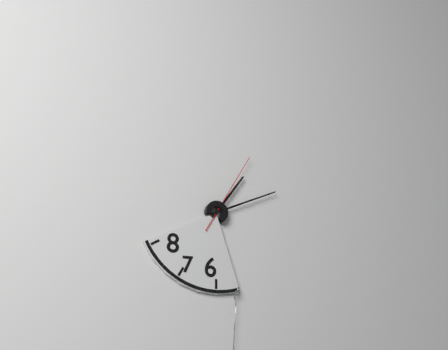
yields 1h11m05s
